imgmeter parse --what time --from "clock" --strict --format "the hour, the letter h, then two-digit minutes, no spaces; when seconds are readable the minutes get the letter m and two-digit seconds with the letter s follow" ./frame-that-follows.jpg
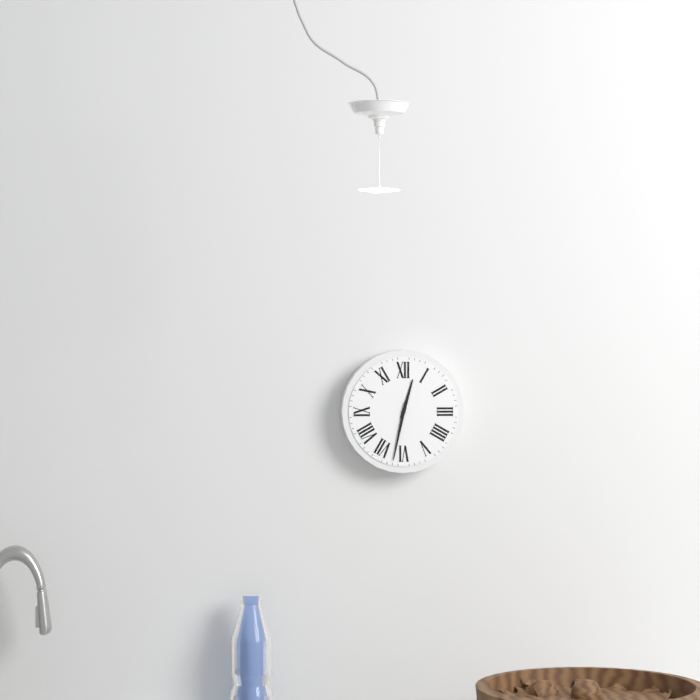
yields 12h32
